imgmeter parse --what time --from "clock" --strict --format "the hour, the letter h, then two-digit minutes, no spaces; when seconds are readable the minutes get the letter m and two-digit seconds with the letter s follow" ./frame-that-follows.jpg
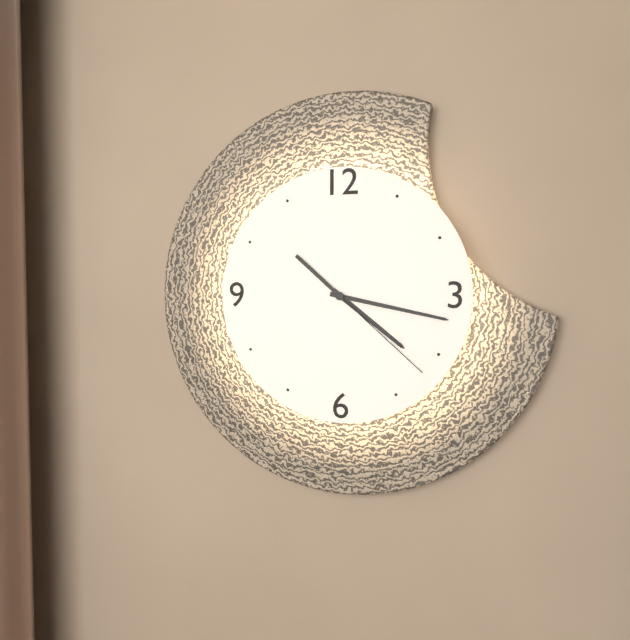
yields 4h17m22s
